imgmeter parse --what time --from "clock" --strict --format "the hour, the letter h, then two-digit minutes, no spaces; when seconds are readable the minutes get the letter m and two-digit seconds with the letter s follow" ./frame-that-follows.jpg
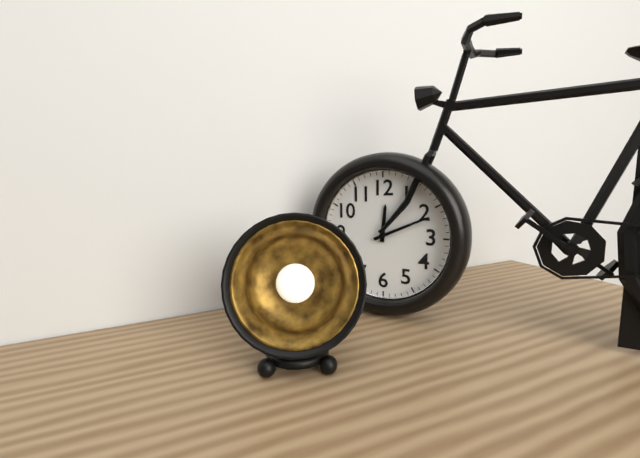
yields 12h11
